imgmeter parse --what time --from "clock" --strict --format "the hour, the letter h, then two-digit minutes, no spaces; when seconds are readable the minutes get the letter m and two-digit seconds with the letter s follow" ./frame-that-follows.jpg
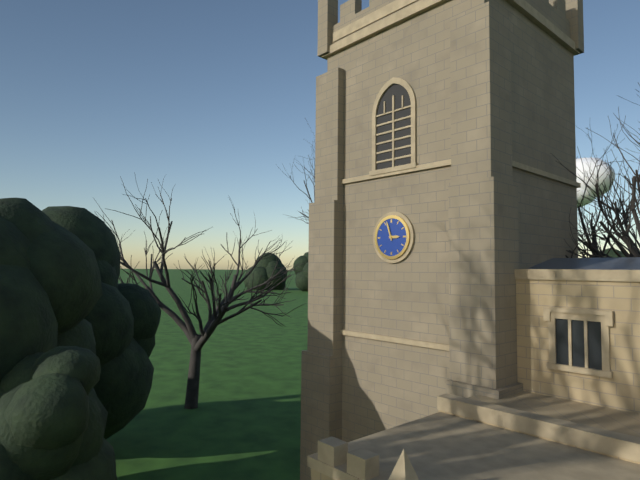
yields 2h57
